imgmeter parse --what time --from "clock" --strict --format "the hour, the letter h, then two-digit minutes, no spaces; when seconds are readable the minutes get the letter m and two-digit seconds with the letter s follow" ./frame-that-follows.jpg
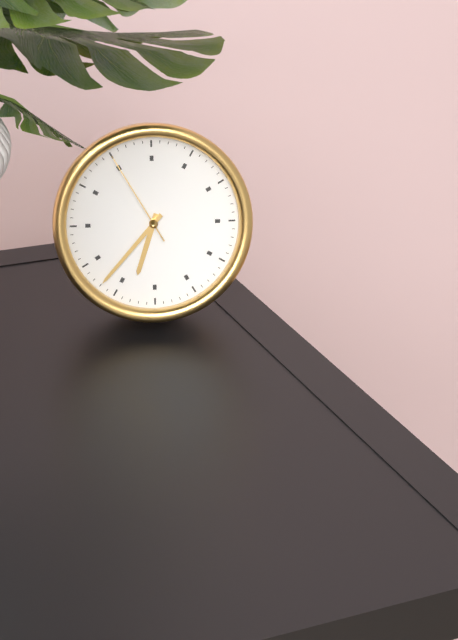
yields 6h37m55s
